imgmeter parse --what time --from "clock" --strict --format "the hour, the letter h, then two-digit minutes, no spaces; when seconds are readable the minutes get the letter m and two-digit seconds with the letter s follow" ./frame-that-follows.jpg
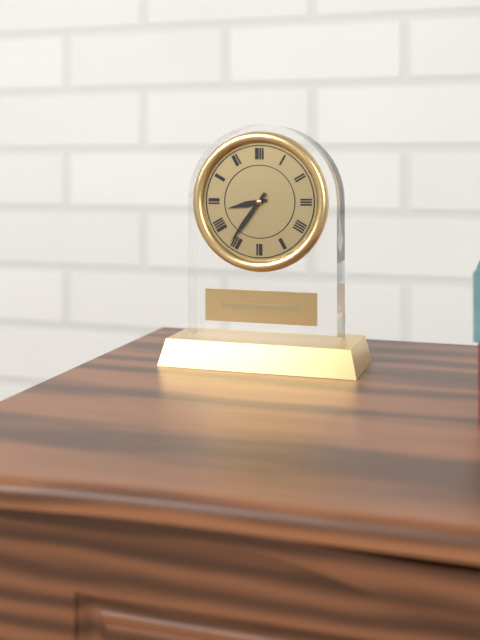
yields 8h36
